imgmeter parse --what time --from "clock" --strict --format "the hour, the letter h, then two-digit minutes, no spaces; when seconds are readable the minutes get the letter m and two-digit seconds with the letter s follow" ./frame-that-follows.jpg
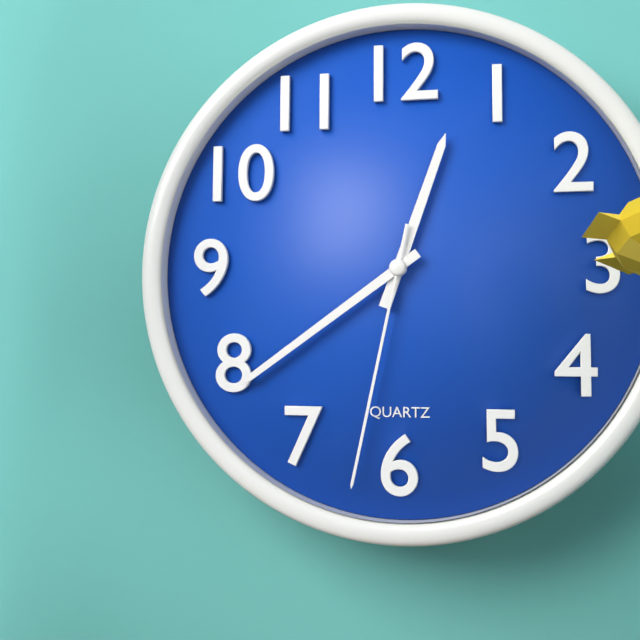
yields 12h39m32s
